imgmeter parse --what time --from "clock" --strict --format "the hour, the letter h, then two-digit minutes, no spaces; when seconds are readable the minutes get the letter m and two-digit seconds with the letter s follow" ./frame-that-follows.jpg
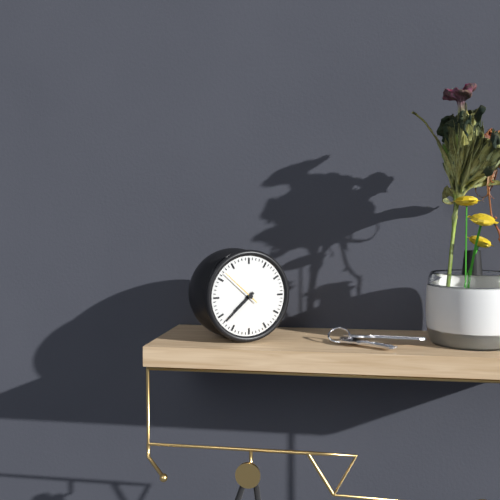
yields 7h38
